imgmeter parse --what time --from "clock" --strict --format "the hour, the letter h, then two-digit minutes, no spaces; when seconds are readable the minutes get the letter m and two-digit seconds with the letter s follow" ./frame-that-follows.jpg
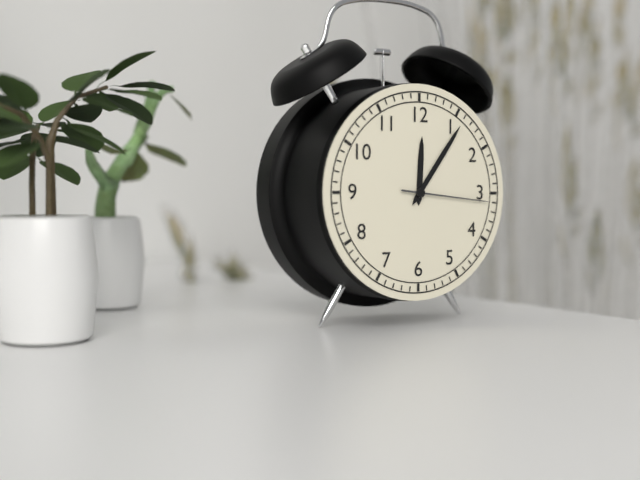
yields 12h06m16s
